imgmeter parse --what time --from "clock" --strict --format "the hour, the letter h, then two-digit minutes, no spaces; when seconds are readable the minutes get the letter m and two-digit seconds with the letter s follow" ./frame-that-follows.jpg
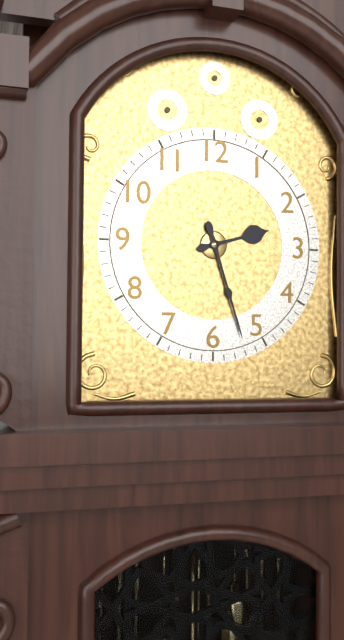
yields 2h27
